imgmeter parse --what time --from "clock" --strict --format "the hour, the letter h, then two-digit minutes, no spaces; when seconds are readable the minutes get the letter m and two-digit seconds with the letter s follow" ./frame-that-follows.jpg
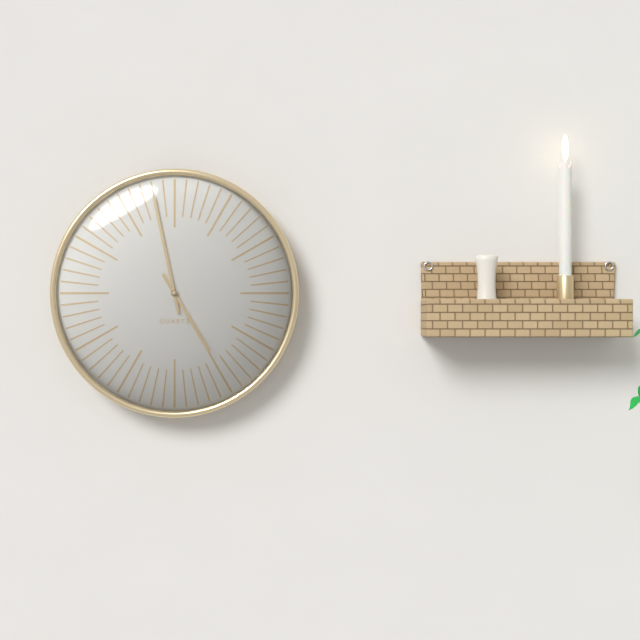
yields 4h58
